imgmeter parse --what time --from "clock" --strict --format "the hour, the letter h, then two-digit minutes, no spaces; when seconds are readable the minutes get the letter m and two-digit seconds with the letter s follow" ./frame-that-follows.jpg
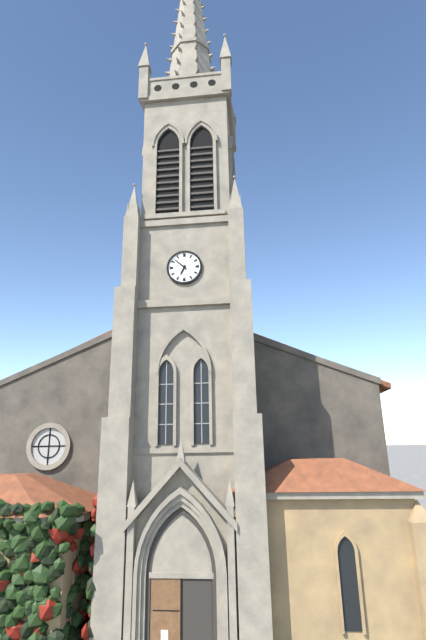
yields 6h52
